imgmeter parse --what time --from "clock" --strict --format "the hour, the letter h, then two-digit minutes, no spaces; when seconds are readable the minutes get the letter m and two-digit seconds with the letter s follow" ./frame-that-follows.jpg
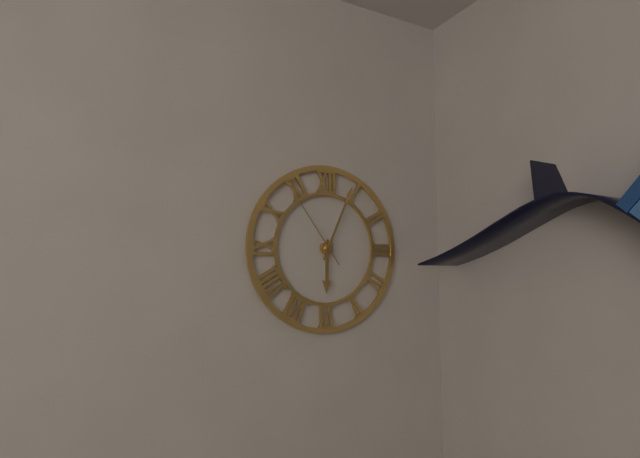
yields 6h04m54s
